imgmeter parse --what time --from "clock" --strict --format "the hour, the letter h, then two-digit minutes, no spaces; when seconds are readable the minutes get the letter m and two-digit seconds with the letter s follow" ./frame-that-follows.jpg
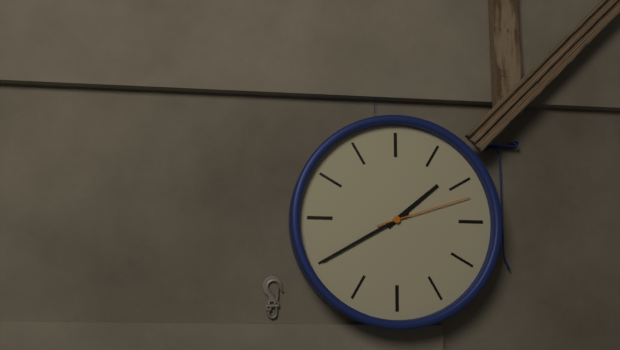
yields 1h40m12s
